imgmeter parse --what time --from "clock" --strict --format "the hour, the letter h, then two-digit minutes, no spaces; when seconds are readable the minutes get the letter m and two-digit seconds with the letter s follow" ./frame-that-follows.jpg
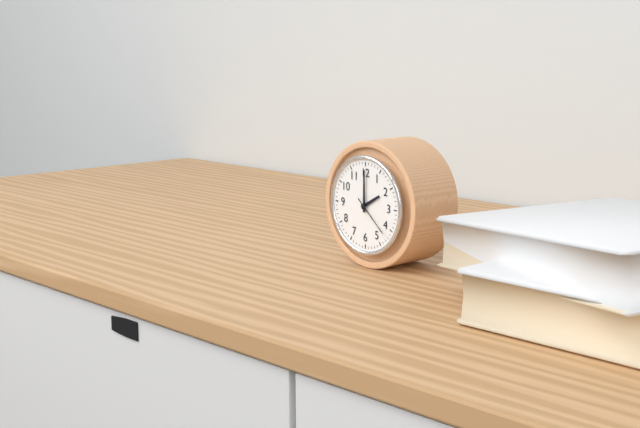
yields 2h00
